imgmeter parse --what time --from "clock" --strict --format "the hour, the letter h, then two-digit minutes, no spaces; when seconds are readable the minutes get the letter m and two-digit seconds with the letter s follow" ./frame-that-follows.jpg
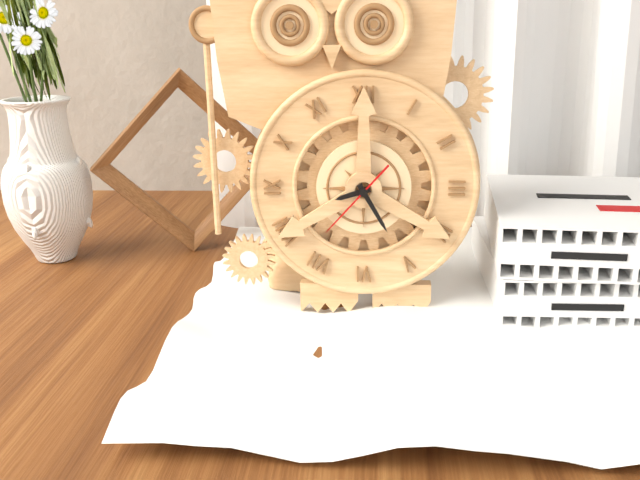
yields 8h25m37s
